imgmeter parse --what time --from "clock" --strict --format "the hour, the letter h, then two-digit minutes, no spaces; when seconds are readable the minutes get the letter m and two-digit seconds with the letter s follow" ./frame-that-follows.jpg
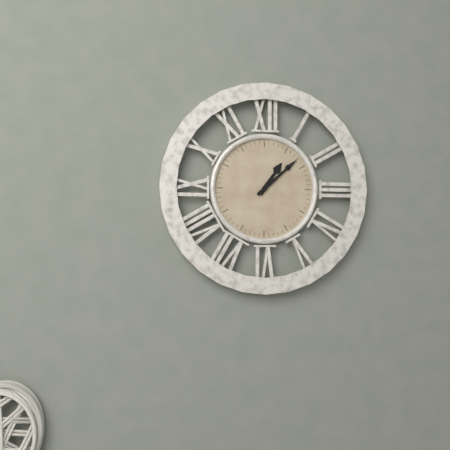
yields 1h08
